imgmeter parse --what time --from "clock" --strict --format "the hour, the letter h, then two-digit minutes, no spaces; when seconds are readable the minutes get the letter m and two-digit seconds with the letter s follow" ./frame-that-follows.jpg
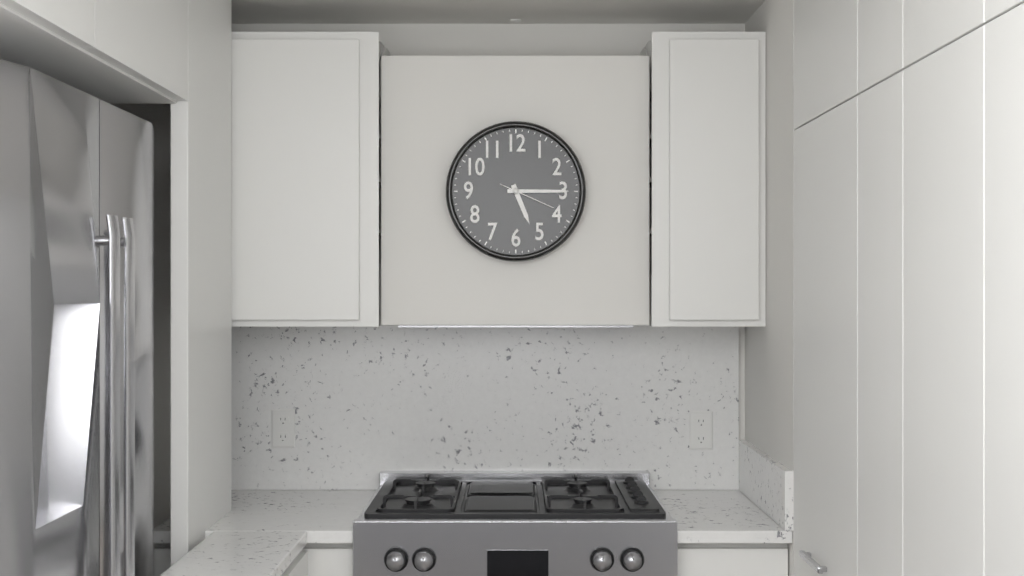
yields 5h15m19s
